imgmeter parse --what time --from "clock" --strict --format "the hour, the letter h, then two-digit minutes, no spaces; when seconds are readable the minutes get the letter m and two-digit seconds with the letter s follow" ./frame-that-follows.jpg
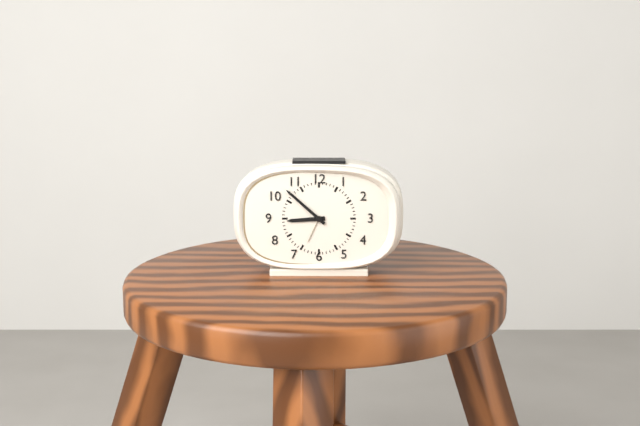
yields 8h52
